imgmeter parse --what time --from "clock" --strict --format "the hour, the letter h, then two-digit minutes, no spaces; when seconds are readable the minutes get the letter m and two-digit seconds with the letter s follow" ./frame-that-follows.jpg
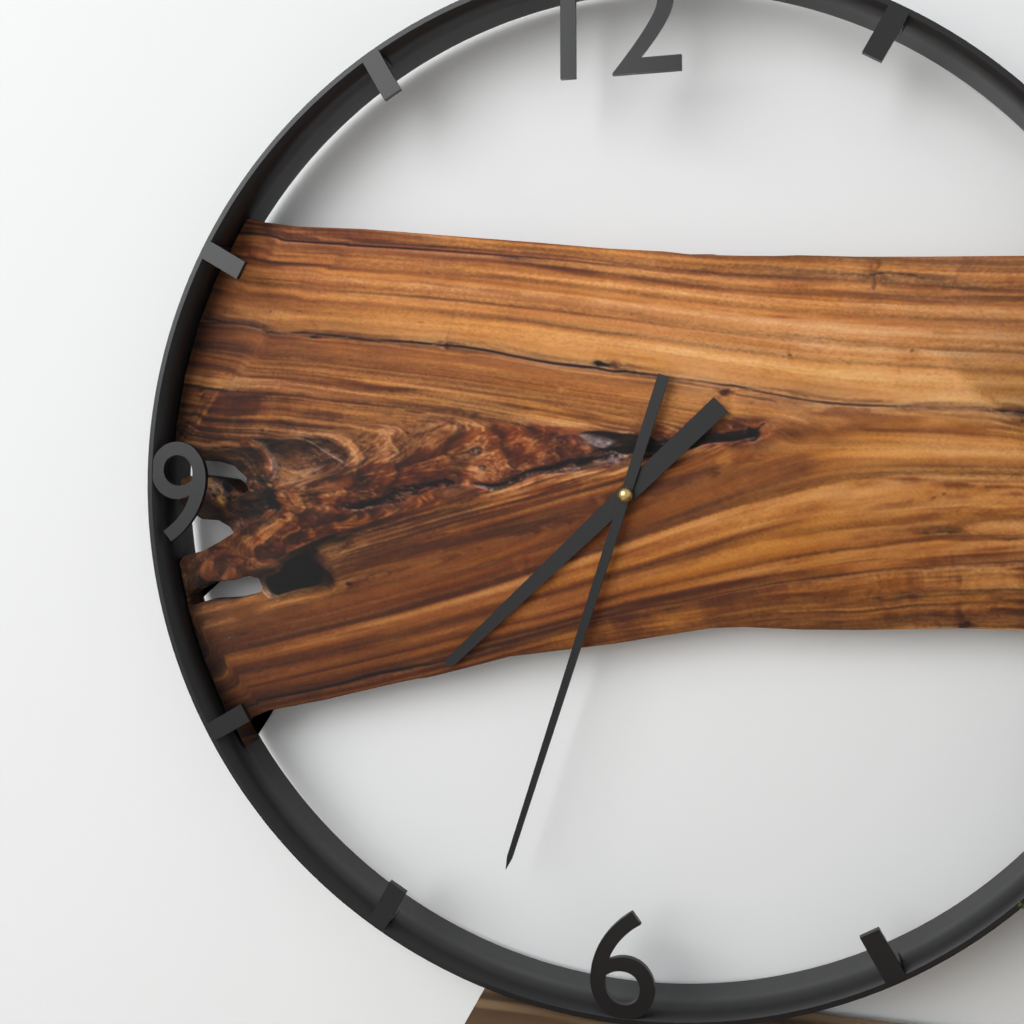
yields 7h33
